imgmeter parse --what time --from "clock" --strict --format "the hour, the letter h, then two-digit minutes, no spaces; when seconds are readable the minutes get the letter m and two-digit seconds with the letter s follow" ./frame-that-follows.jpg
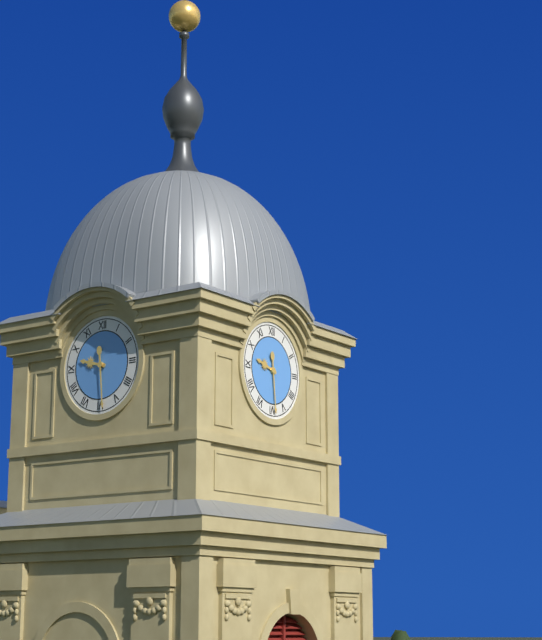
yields 9h29
